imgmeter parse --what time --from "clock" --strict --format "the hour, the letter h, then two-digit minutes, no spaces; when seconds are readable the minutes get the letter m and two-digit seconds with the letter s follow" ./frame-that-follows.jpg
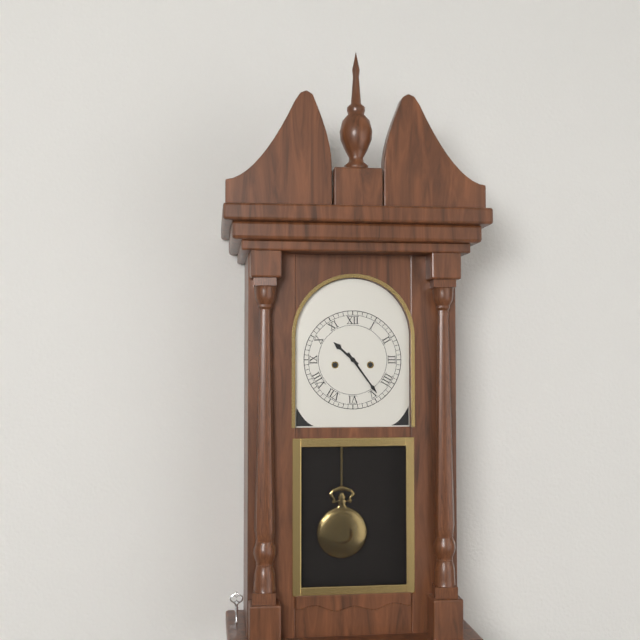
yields 10h24
